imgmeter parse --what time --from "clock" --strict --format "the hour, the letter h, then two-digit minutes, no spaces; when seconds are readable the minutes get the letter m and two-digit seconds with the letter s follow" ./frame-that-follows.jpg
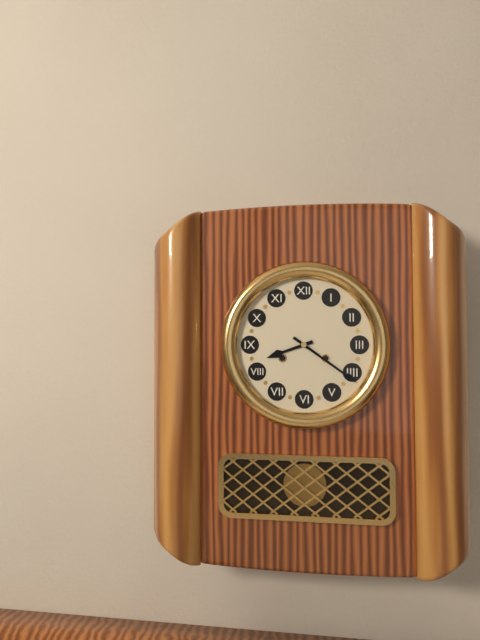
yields 8h21
